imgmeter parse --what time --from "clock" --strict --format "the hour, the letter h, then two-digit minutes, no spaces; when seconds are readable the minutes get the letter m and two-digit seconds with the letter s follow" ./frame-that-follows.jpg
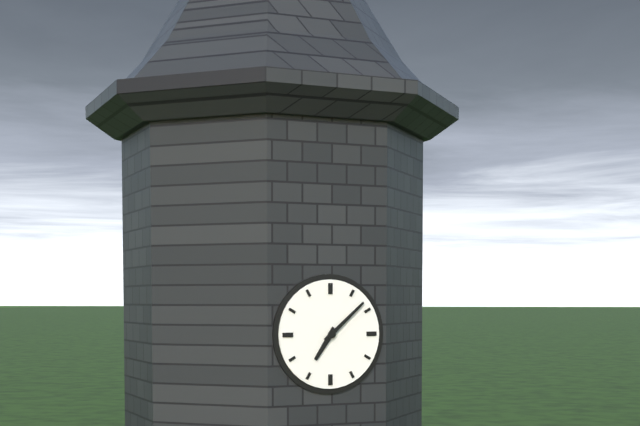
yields 7h08
